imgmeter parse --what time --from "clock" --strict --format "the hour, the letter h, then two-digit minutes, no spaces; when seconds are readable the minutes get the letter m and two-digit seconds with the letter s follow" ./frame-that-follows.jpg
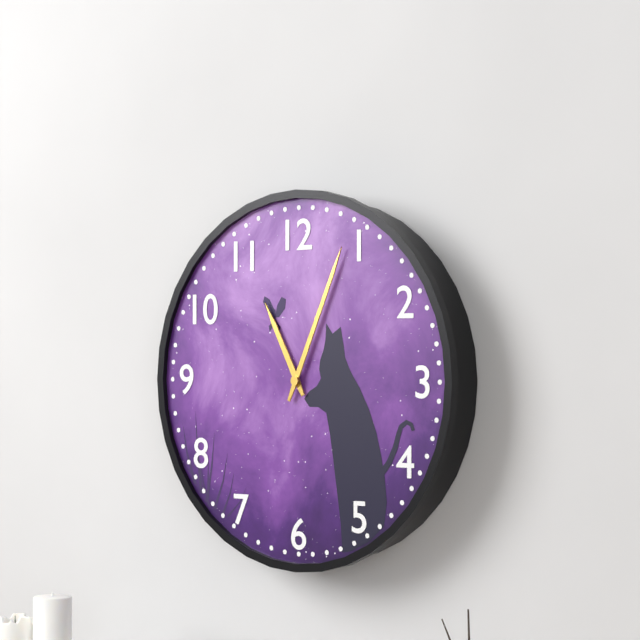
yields 11h04
